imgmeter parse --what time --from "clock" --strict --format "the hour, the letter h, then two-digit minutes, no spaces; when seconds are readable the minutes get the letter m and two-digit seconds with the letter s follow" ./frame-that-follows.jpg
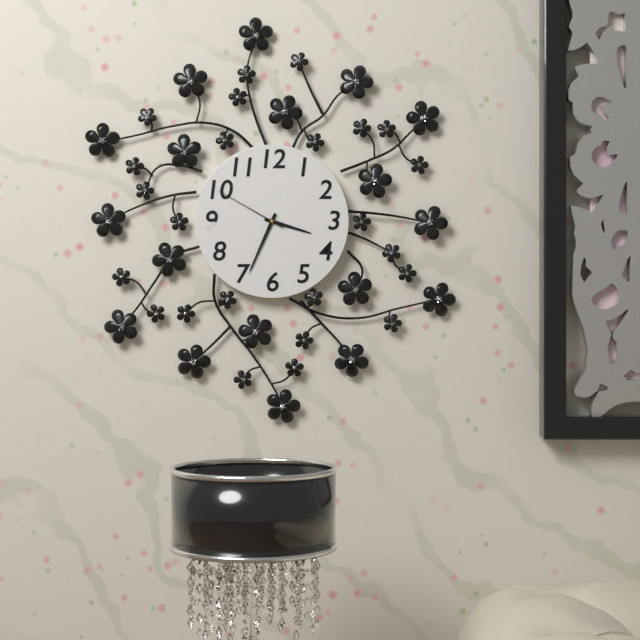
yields 3h34m50s
